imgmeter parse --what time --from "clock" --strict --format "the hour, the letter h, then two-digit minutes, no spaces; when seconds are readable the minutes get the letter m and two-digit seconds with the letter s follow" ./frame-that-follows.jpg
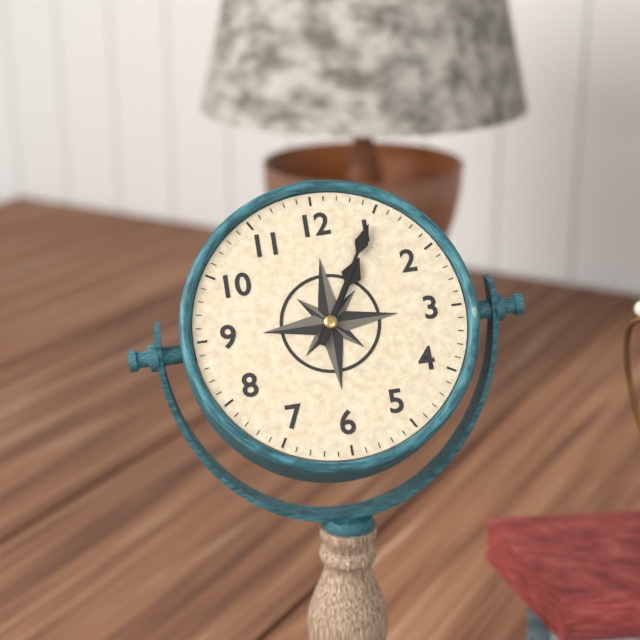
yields 1h05
